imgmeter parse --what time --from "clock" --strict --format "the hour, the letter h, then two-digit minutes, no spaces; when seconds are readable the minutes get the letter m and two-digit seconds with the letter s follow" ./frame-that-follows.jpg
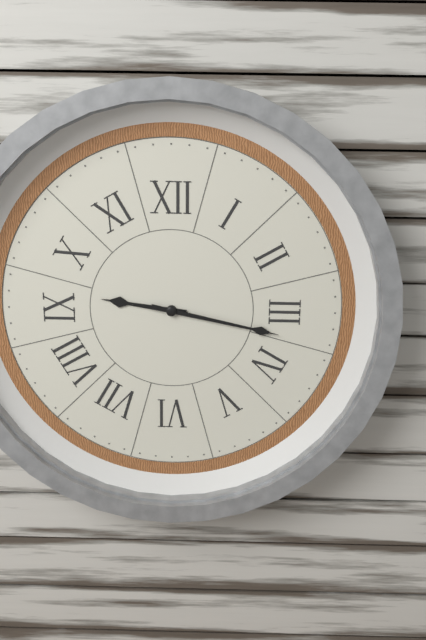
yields 9h17
